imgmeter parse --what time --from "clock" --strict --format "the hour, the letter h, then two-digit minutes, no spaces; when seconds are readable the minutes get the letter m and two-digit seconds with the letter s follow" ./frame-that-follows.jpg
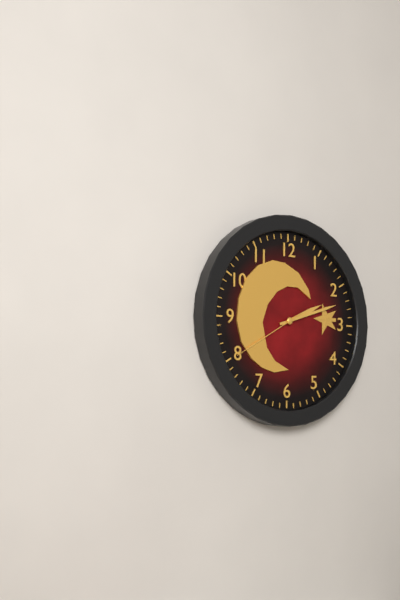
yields 2h12m40s
